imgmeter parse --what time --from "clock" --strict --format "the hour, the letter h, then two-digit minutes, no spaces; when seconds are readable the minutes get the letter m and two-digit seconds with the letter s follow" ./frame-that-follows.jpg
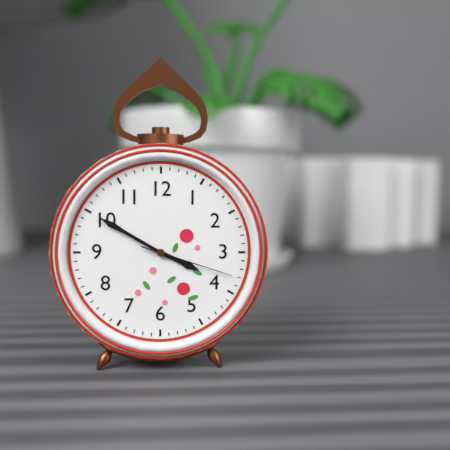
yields 3h50m18s
